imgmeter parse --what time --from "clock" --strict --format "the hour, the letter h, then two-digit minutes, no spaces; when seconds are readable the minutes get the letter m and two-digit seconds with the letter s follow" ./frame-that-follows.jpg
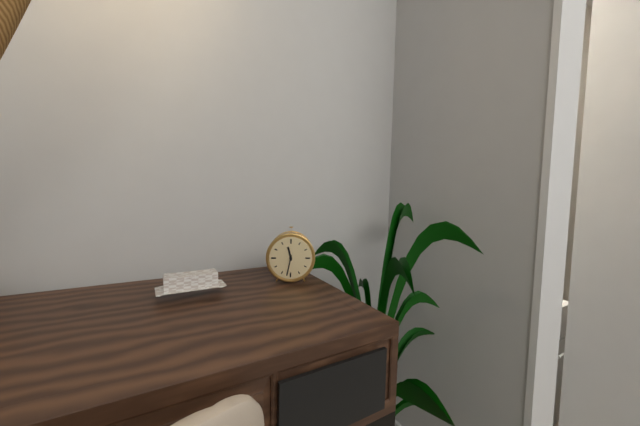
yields 11h32
